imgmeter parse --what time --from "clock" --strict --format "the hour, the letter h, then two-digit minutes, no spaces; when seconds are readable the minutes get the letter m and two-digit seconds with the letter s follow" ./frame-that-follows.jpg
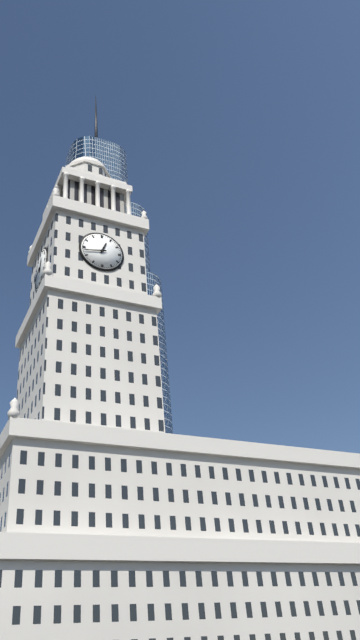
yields 12h43
